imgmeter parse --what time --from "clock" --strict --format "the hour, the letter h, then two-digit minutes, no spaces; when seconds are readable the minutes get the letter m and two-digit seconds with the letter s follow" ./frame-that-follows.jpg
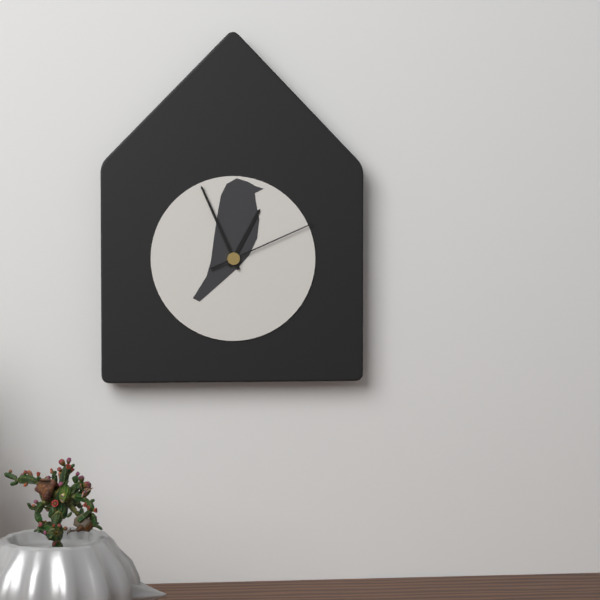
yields 12h56m11s
